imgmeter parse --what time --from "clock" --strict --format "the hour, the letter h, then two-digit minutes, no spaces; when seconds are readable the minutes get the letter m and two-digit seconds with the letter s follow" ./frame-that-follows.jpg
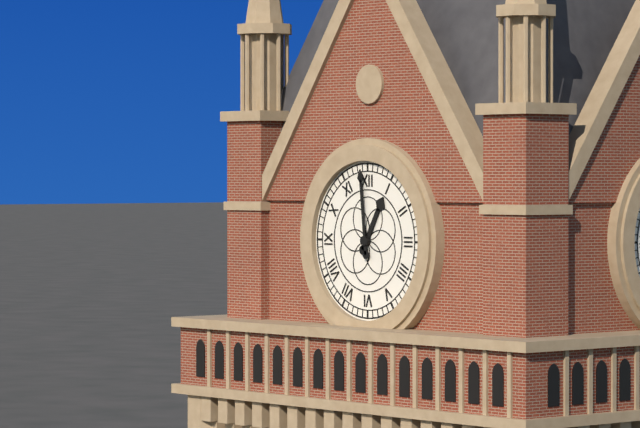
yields 12h59
